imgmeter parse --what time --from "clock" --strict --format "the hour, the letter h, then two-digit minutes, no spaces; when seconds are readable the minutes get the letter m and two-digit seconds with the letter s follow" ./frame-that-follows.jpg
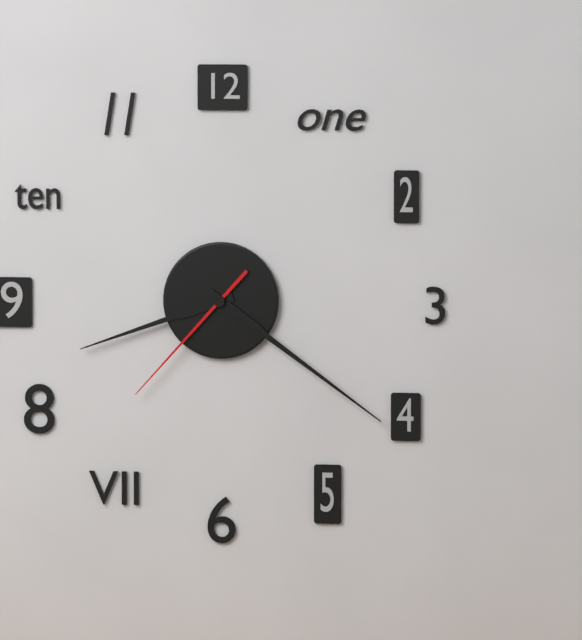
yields 8h21m37s
